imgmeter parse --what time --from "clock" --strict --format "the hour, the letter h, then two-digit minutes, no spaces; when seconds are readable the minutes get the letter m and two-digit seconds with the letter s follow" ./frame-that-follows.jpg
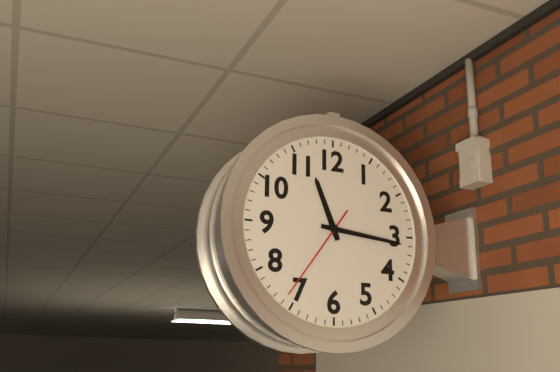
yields 11h16m36s
